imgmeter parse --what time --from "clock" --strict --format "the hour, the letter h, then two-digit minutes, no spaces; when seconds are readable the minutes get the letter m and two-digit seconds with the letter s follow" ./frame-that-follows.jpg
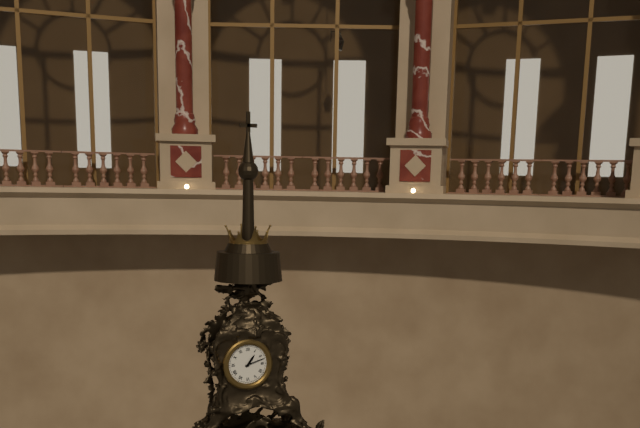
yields 1h12
